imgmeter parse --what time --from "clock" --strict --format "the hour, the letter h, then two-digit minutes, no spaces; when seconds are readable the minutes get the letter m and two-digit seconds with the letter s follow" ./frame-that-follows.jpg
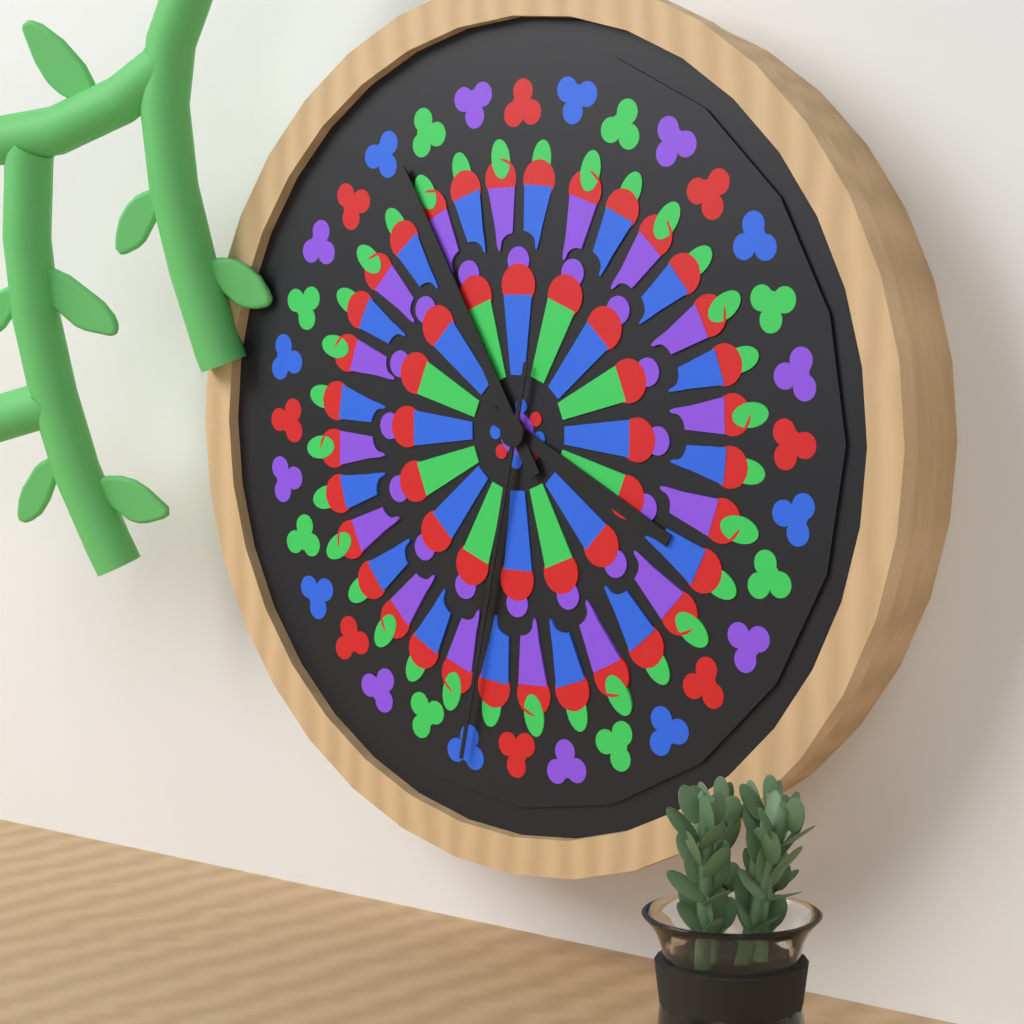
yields 3h55m32s
